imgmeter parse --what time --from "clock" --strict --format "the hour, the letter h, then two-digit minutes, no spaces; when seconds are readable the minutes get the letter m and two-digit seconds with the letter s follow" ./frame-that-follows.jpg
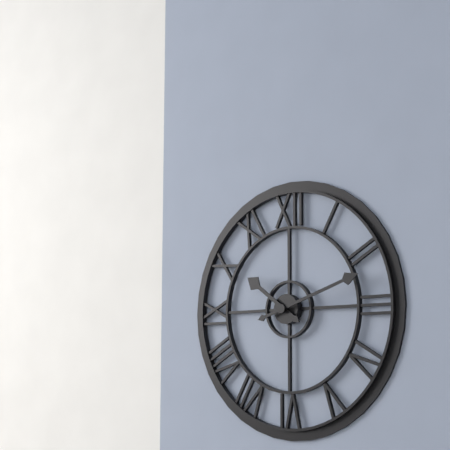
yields 10h12
